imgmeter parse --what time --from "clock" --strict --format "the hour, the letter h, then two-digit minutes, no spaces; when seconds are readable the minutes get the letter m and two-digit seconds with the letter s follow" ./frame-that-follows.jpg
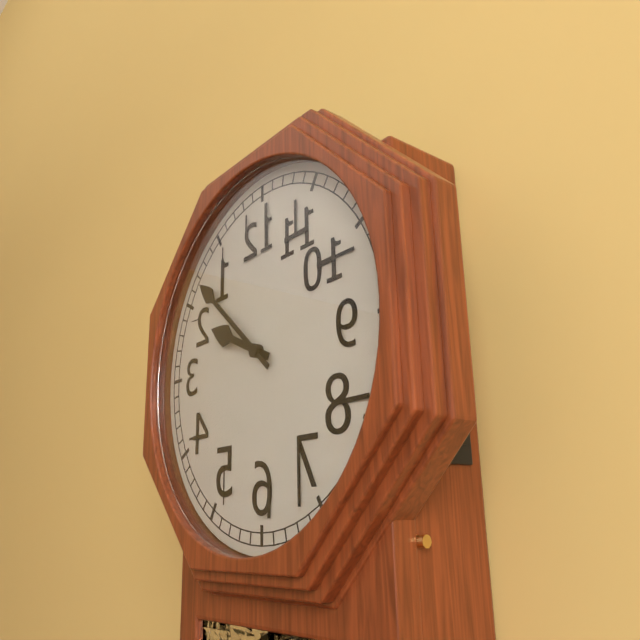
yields 9h52
